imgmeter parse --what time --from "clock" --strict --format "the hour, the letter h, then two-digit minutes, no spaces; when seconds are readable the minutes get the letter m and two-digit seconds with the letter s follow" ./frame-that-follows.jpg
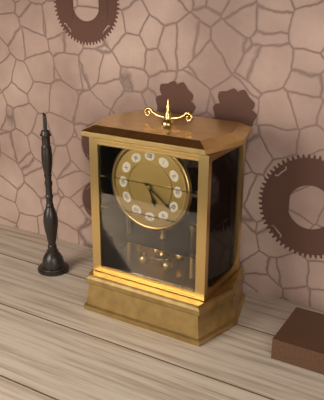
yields 5h21
